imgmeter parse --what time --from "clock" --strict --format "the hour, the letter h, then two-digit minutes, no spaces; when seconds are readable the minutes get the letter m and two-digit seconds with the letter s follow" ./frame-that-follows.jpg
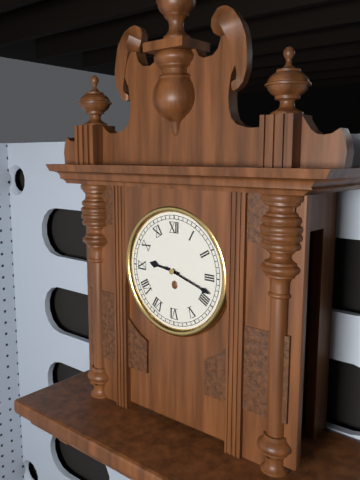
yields 9h18
